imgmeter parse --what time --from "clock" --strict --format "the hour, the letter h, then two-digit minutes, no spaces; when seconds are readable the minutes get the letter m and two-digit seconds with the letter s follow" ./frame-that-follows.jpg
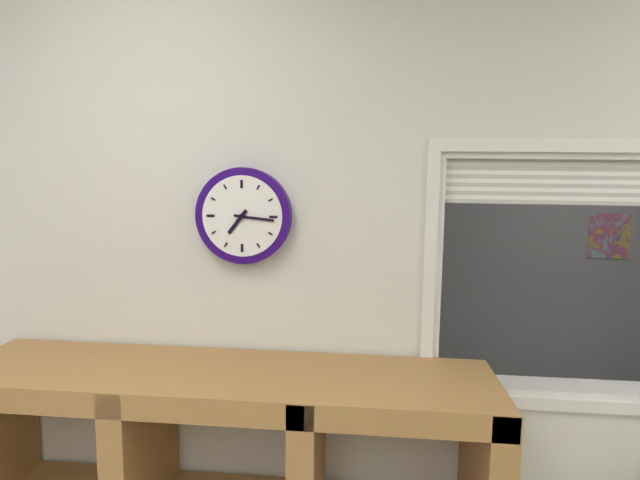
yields 7h16
